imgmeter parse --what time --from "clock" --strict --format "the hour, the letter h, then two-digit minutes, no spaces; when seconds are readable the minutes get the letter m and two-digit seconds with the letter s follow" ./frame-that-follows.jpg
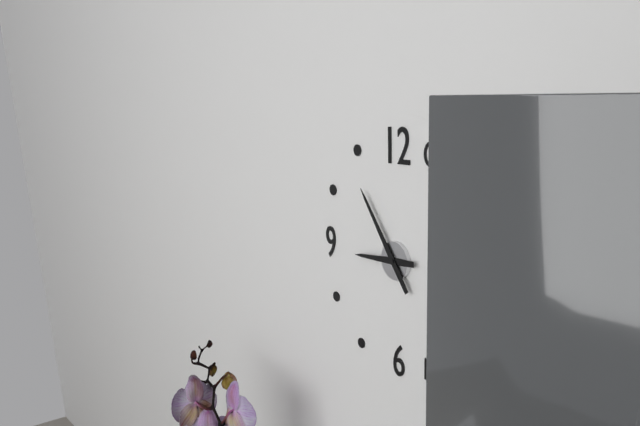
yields 8h54
